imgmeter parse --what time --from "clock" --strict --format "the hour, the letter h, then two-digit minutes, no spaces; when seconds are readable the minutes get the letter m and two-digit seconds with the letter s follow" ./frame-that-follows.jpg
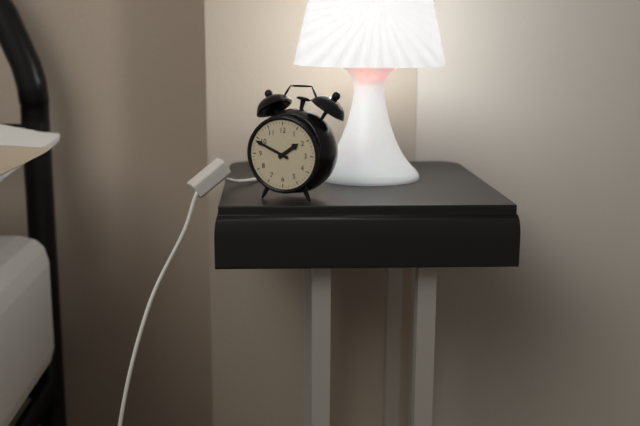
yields 1h49
